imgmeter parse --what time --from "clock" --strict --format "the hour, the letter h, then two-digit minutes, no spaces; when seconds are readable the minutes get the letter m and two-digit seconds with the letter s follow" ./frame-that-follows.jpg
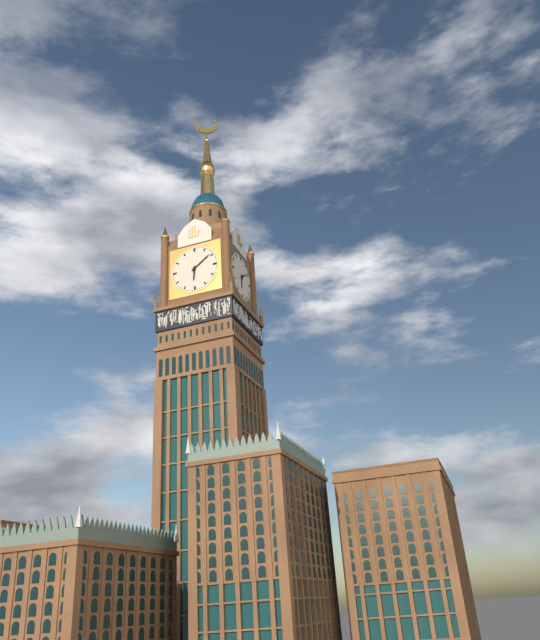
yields 6h09
